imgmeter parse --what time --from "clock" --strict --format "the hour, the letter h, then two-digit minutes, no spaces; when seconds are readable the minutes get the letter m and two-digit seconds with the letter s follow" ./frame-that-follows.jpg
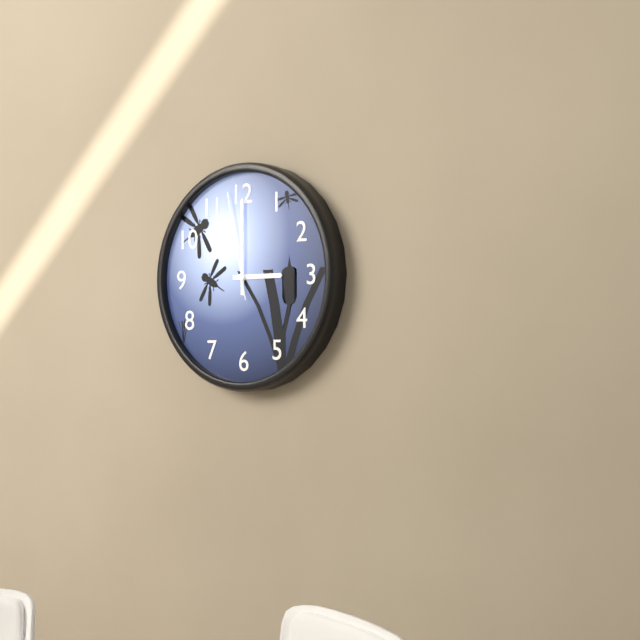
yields 3h00m58s
